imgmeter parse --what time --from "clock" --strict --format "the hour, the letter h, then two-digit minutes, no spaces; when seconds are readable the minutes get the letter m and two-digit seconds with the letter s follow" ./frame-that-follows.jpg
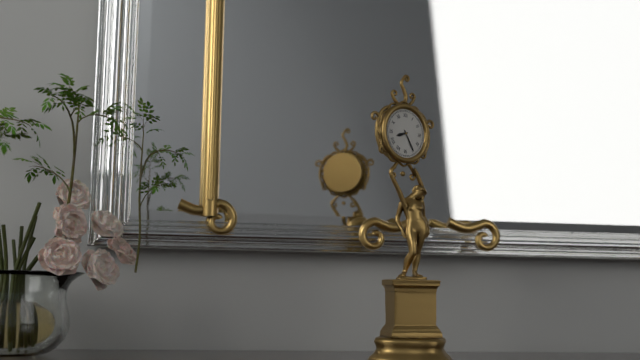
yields 8h25
